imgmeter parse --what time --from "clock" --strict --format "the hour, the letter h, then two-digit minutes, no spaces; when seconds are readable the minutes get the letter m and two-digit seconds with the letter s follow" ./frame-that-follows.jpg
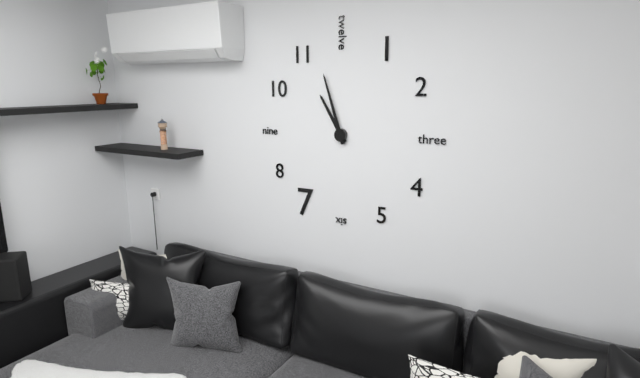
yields 10h57
